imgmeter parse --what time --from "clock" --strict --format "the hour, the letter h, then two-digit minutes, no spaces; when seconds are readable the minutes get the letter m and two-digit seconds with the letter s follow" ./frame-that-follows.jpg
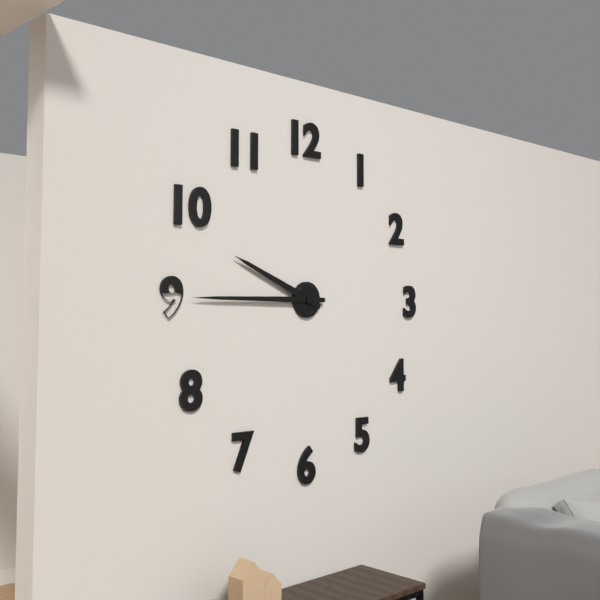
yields 9h45
